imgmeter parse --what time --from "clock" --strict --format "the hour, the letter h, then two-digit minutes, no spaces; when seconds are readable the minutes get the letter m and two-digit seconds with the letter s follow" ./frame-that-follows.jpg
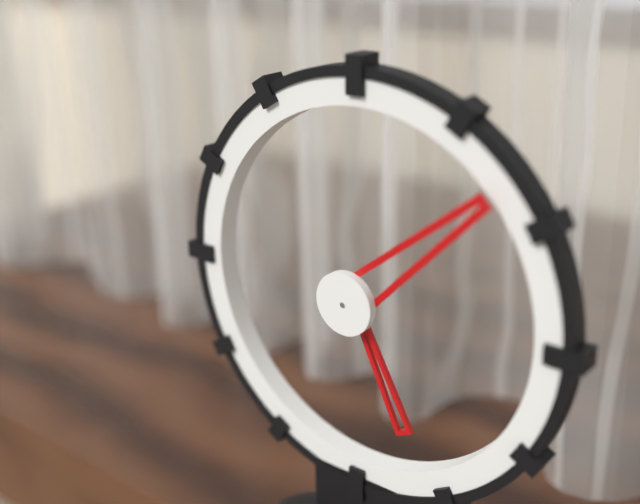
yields 5h08
